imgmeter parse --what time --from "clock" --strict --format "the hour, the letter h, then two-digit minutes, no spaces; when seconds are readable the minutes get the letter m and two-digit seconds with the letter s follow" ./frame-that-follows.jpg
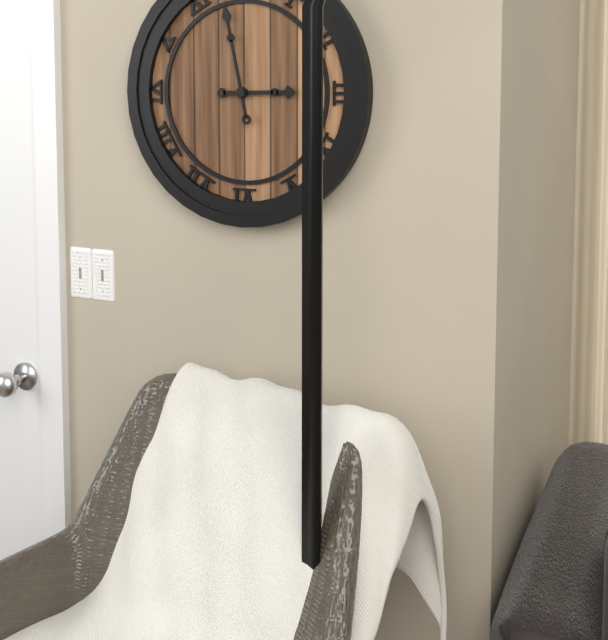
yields 2h58
